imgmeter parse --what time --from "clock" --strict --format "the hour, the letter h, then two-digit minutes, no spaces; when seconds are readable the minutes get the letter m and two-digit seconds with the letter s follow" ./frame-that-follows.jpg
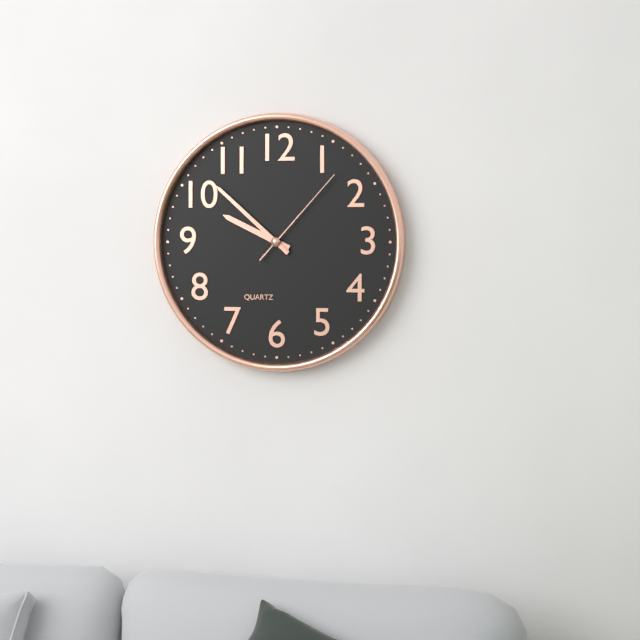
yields 9h52m07s
